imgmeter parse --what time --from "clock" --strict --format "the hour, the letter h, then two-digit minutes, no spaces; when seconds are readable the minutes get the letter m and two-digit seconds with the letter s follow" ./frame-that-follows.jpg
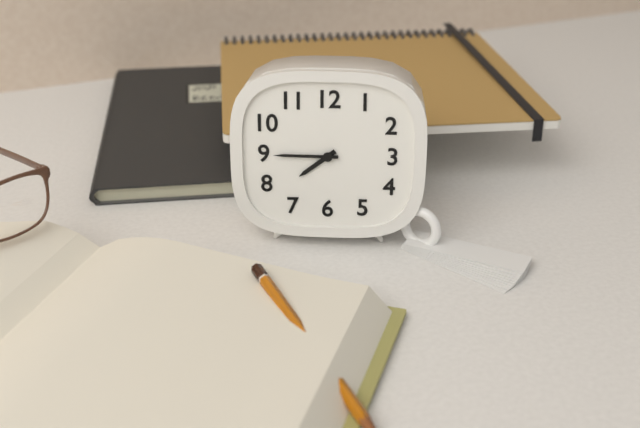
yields 7h45
